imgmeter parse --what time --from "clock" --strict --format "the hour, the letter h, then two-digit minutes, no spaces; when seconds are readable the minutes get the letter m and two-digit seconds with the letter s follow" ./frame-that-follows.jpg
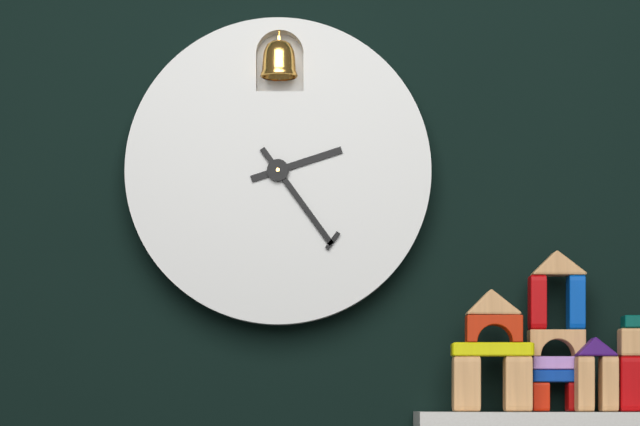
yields 2h24
